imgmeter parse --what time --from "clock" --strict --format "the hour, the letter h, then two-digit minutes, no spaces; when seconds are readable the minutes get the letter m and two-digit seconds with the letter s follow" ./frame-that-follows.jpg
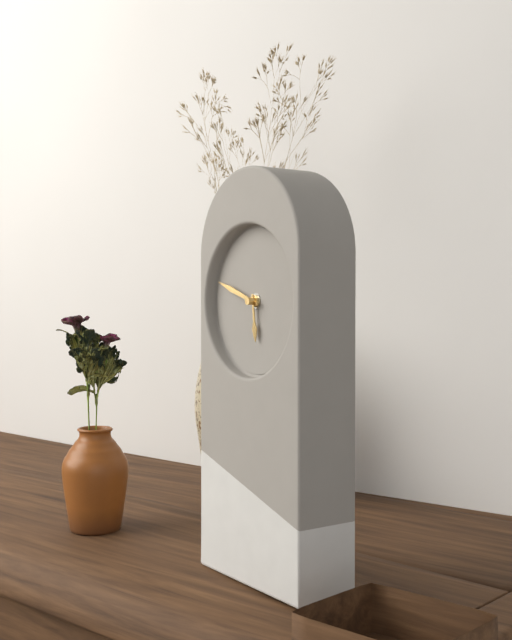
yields 5h48
